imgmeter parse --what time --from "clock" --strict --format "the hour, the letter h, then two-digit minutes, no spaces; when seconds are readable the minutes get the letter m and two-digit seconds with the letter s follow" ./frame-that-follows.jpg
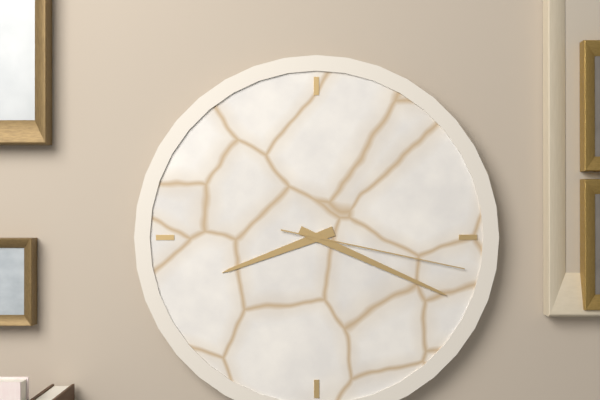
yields 8h19m17s
